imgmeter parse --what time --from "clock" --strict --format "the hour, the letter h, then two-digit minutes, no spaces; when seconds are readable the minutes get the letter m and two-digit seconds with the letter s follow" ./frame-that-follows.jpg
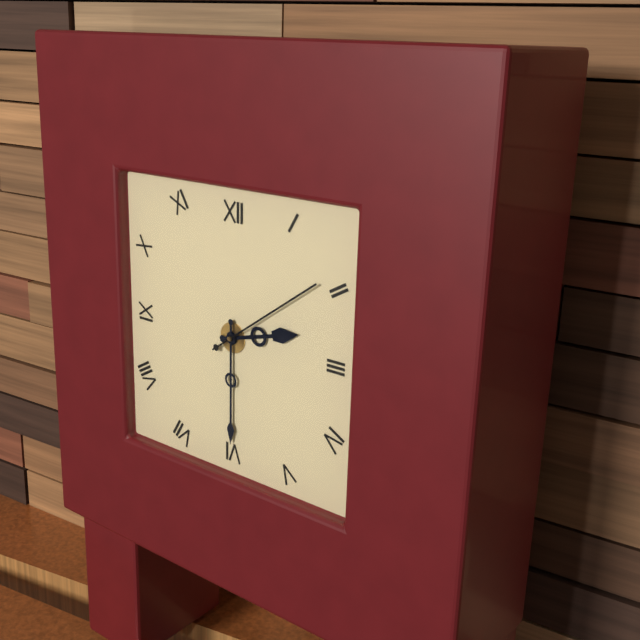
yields 2h30m09s
